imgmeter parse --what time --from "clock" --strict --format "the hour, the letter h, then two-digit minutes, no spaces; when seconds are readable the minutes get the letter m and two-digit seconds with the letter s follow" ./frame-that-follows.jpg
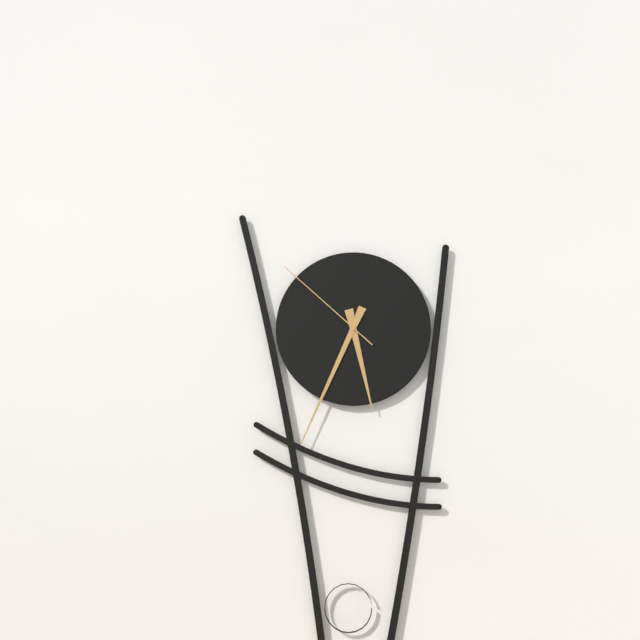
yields 5h34m52s
